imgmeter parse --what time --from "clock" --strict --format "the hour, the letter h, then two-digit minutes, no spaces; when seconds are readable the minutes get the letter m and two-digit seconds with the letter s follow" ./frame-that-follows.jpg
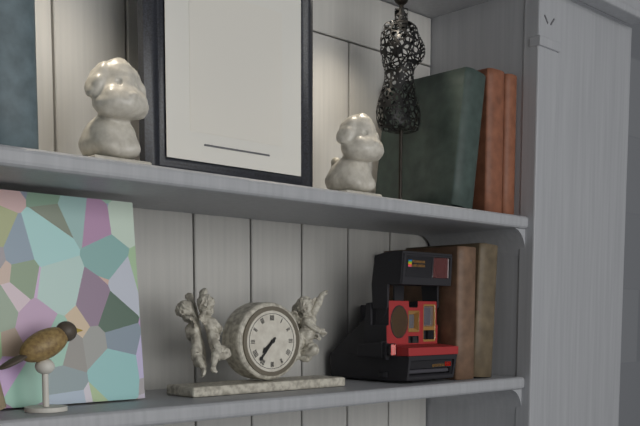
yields 7h37
